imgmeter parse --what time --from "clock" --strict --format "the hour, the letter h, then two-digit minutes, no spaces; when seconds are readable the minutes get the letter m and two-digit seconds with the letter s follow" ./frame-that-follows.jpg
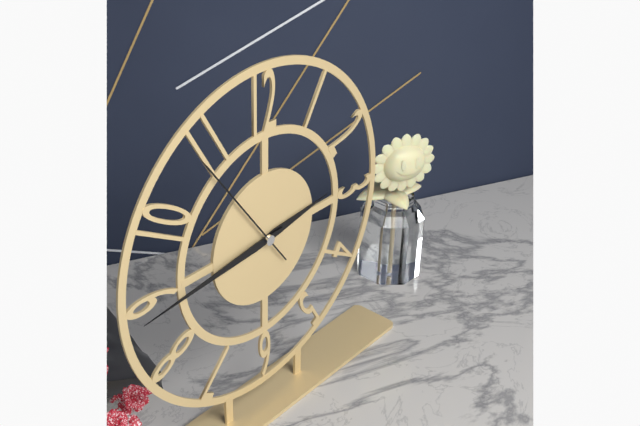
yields 2h44m54s
